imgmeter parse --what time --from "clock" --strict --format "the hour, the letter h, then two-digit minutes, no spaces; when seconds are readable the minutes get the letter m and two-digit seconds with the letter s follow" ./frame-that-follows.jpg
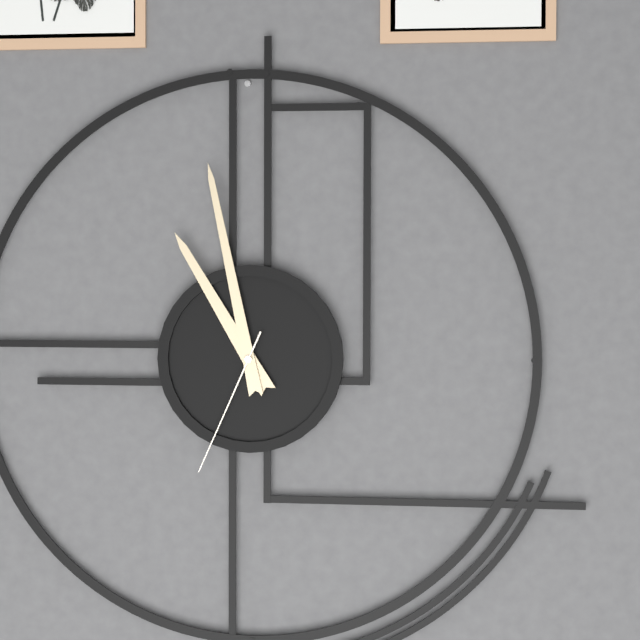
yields 10h58m34s
